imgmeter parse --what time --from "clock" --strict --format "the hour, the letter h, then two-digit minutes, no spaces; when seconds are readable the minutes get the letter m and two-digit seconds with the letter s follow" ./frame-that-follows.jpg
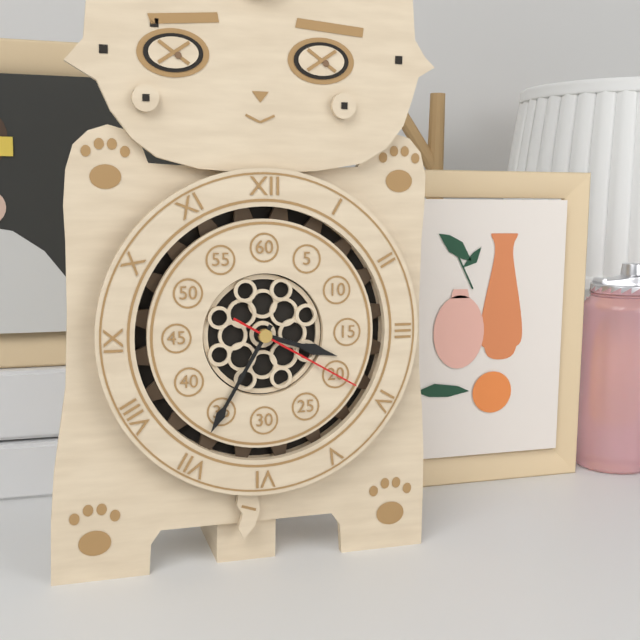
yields 3h35m20s
